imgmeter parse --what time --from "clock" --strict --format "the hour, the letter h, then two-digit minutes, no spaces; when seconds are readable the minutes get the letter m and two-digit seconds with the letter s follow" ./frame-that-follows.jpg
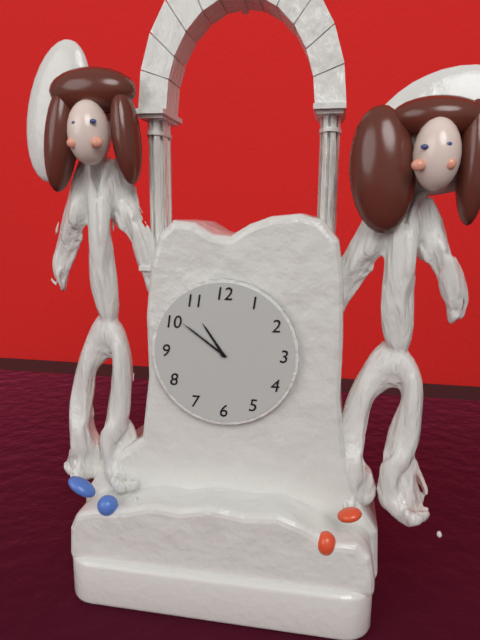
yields 10h51
